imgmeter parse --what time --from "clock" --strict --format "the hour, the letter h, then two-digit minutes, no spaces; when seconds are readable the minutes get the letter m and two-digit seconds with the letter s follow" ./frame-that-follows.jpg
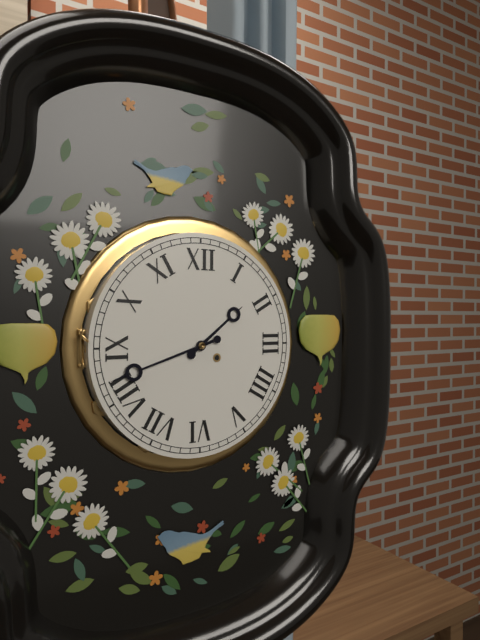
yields 1h42
